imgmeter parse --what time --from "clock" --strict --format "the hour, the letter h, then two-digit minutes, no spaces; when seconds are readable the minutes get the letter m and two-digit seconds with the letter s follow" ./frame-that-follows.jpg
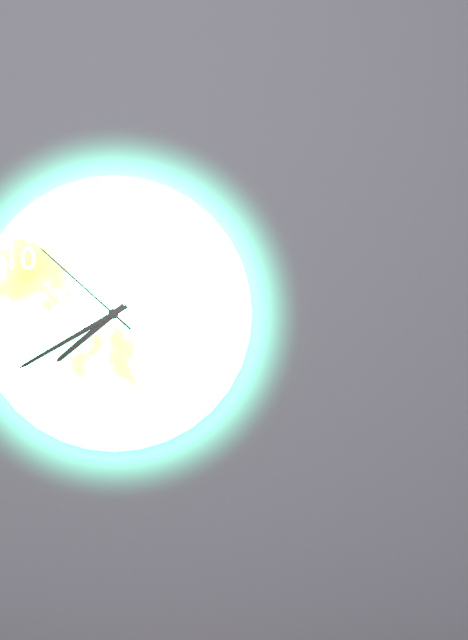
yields 7h40m52s
